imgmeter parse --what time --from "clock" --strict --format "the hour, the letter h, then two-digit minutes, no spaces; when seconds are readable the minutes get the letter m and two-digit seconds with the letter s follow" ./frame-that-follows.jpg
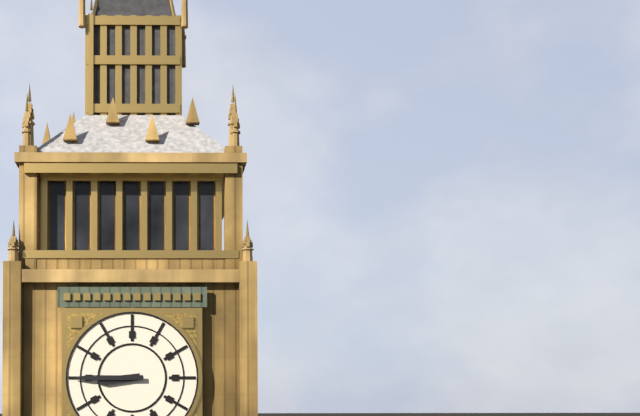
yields 8h45
